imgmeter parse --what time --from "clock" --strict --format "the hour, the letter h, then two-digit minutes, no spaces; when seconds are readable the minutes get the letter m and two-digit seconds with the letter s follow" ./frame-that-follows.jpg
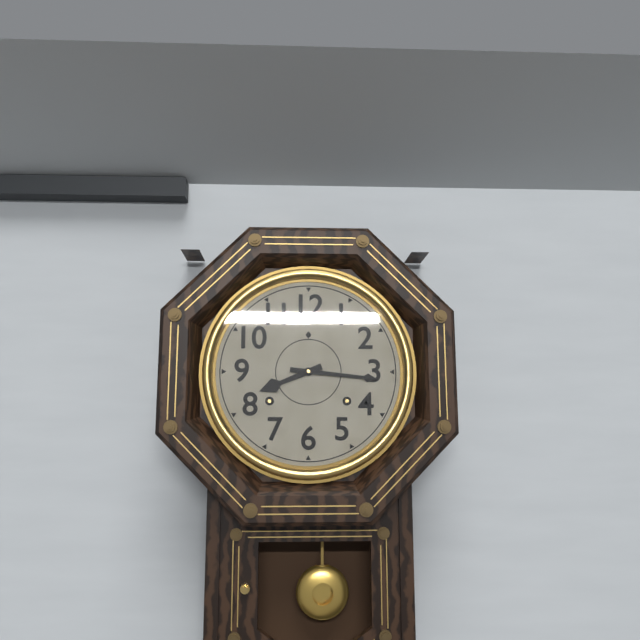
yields 8h16
